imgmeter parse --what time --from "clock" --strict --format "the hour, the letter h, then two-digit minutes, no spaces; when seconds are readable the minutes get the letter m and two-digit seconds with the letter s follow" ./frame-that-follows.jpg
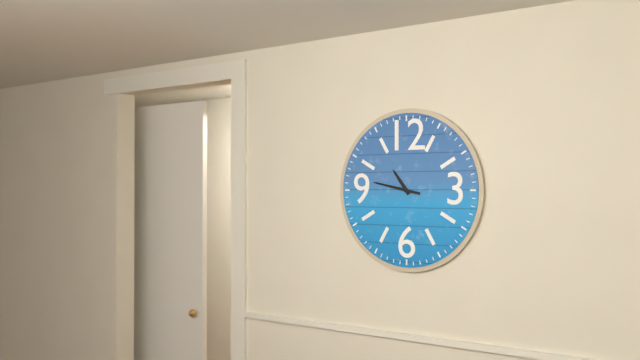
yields 10h47
